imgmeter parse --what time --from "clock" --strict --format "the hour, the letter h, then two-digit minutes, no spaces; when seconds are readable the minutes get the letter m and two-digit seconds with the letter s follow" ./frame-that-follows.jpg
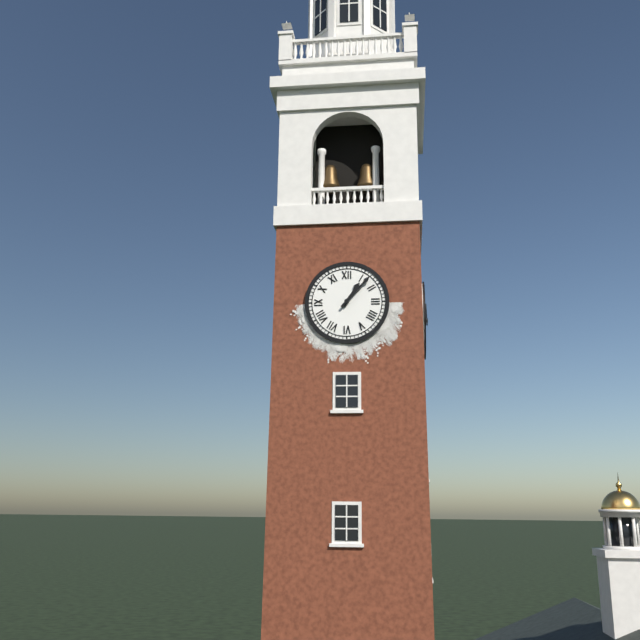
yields 1h07
